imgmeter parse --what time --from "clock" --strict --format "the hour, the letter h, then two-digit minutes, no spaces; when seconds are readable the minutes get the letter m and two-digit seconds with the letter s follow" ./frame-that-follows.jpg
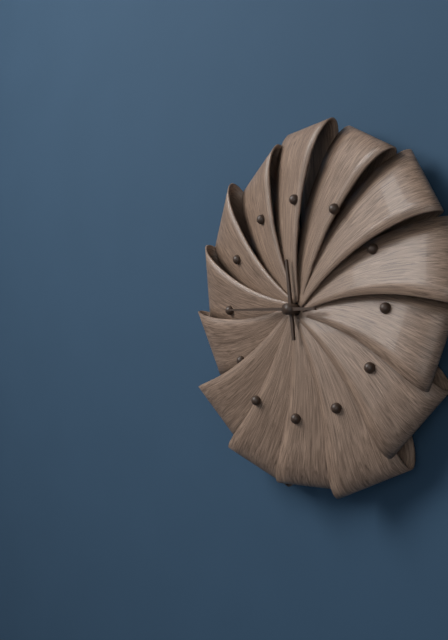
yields 11h45
